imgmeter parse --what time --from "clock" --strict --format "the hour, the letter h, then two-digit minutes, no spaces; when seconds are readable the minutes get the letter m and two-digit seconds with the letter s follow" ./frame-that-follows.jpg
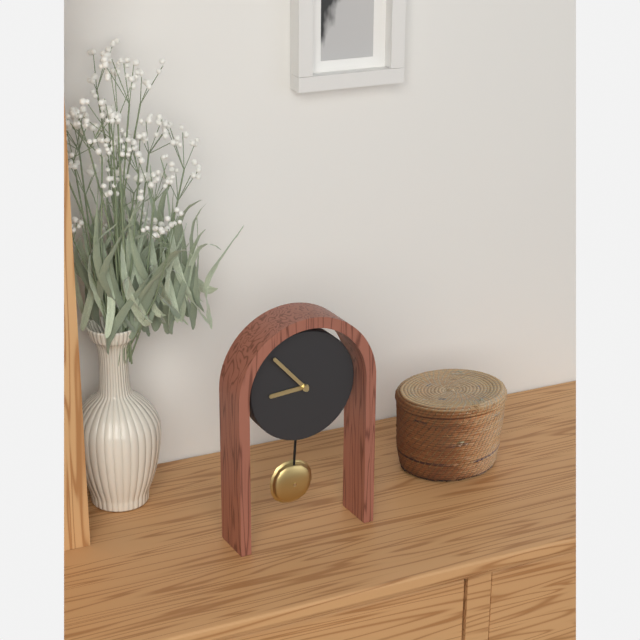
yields 8h53
